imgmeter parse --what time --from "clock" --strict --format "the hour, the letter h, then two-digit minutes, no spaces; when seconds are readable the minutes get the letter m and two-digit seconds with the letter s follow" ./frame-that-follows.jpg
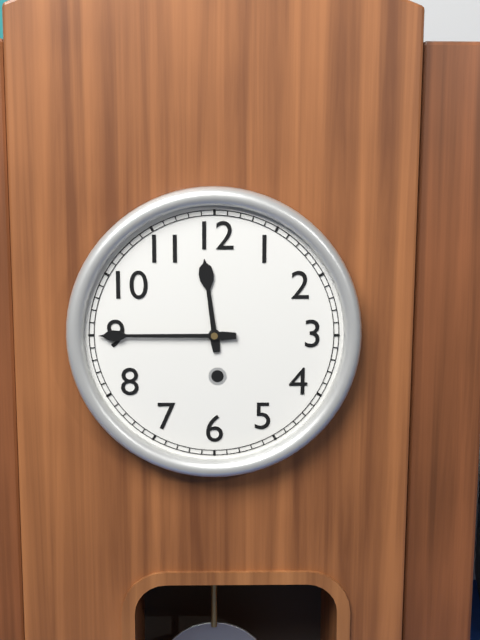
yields 11h45
